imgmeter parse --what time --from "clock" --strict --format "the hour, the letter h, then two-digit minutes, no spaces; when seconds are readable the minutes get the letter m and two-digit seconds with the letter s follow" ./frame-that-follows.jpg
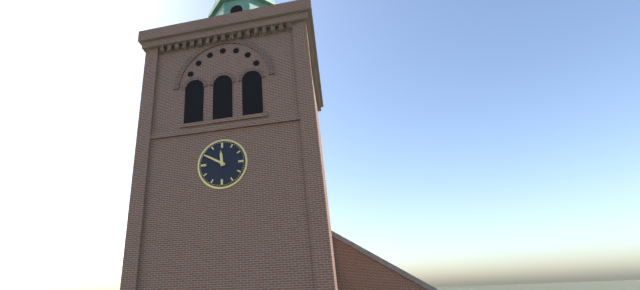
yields 11h50
